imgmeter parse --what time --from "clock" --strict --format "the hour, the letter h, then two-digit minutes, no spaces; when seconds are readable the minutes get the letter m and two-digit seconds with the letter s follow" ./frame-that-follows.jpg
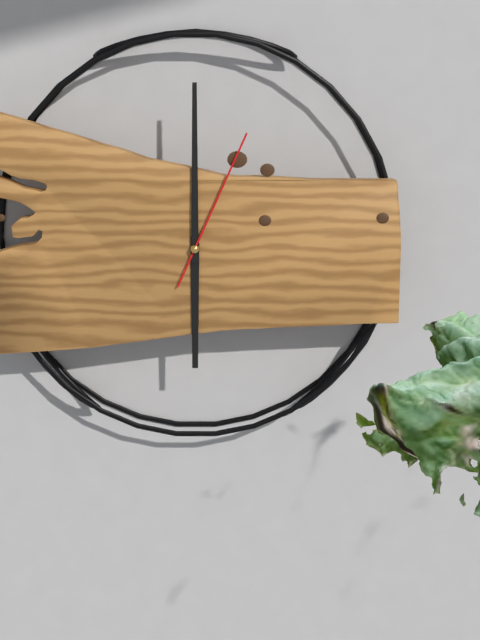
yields 6h00m04s
